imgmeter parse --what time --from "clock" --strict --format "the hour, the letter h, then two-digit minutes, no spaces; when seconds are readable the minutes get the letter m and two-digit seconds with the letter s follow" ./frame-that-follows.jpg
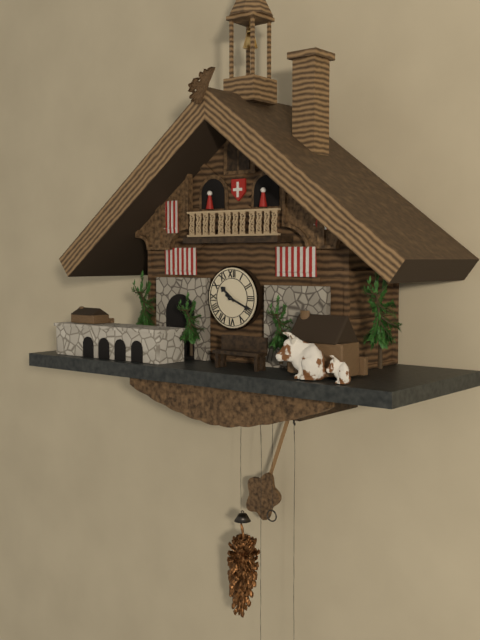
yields 10h19
